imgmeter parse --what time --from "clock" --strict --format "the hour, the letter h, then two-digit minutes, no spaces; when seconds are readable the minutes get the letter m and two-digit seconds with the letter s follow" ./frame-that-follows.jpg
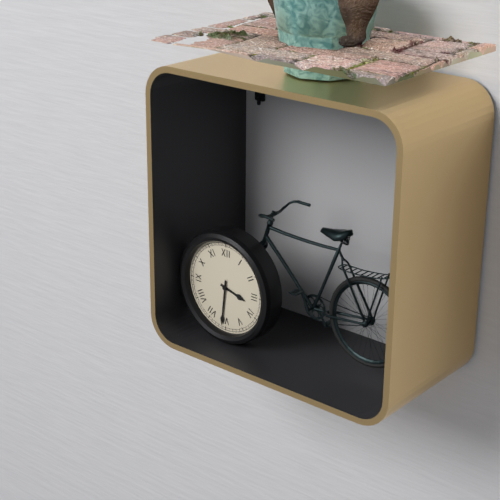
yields 3h31
